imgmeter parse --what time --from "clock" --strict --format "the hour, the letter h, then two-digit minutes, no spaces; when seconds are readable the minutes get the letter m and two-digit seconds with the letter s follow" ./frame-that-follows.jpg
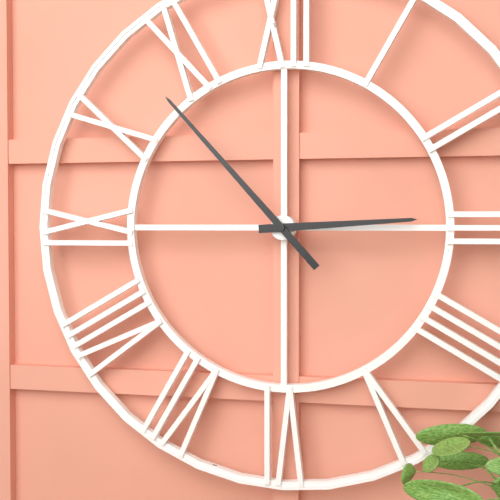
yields 2h53
